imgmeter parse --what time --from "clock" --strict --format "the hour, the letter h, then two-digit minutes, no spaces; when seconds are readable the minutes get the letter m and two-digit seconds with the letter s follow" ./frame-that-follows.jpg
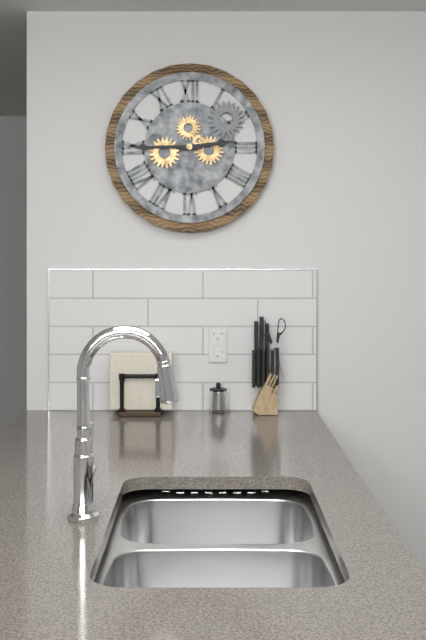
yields 2h45
